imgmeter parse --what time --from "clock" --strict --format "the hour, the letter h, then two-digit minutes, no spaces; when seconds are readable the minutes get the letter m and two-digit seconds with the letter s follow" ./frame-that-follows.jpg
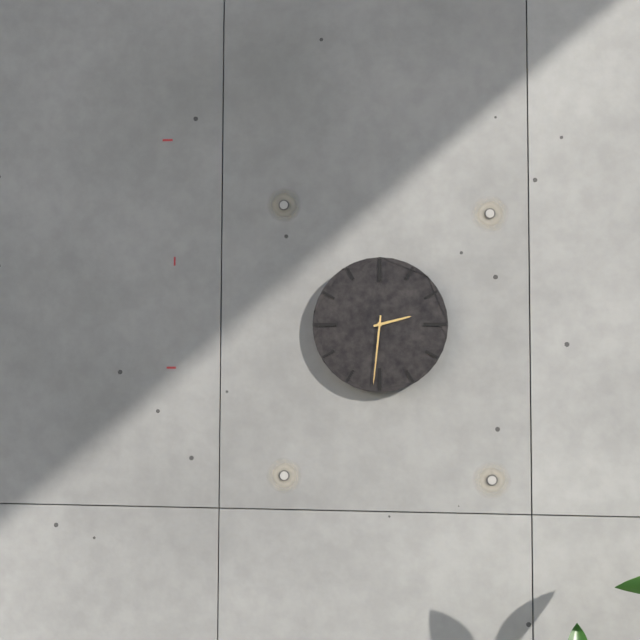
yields 2h31
